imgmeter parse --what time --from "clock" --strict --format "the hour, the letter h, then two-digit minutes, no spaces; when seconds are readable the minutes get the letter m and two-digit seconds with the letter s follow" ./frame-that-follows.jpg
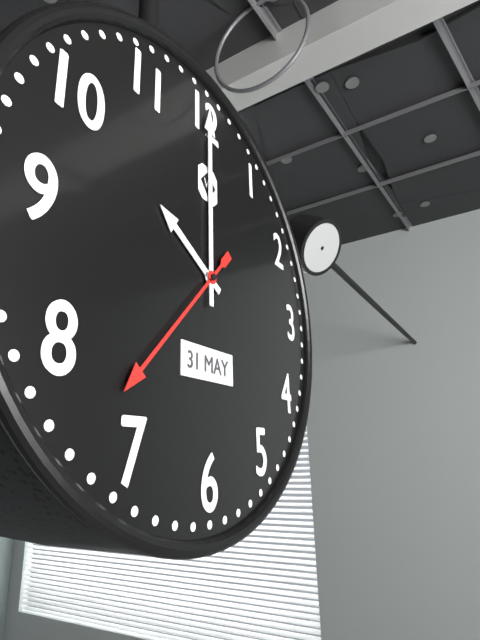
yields 10h00m37s
